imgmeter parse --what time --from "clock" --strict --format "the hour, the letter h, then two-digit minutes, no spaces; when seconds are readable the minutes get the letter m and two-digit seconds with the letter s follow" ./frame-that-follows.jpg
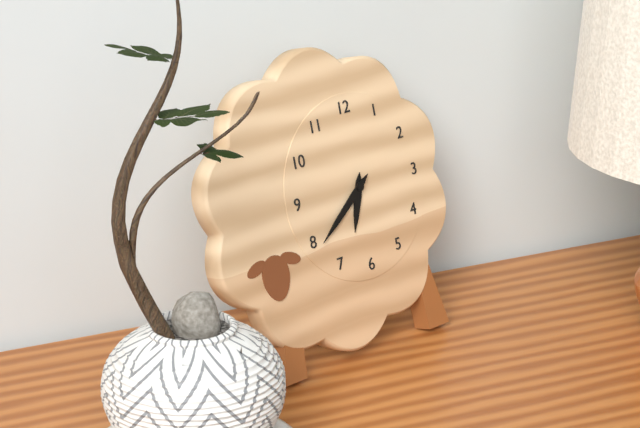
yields 6h39
